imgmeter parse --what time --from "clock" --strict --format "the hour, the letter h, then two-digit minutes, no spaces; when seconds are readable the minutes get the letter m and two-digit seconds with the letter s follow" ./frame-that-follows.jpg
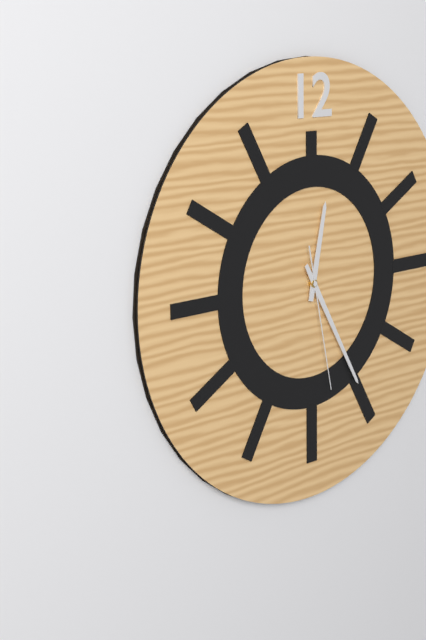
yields 12h25m28s
